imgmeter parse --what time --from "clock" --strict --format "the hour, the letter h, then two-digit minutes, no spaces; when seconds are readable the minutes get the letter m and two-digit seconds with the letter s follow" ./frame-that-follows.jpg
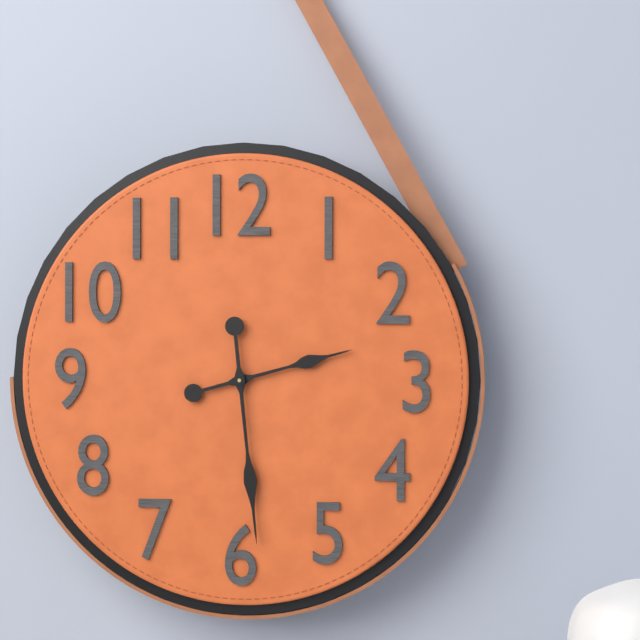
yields 2h29
